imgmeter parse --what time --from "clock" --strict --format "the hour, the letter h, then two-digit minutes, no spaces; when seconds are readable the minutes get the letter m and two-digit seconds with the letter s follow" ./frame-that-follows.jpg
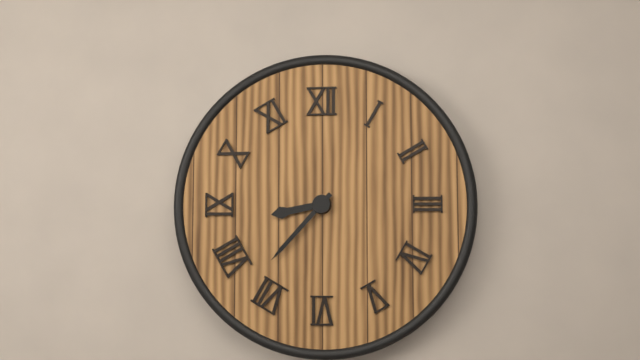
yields 8h37
